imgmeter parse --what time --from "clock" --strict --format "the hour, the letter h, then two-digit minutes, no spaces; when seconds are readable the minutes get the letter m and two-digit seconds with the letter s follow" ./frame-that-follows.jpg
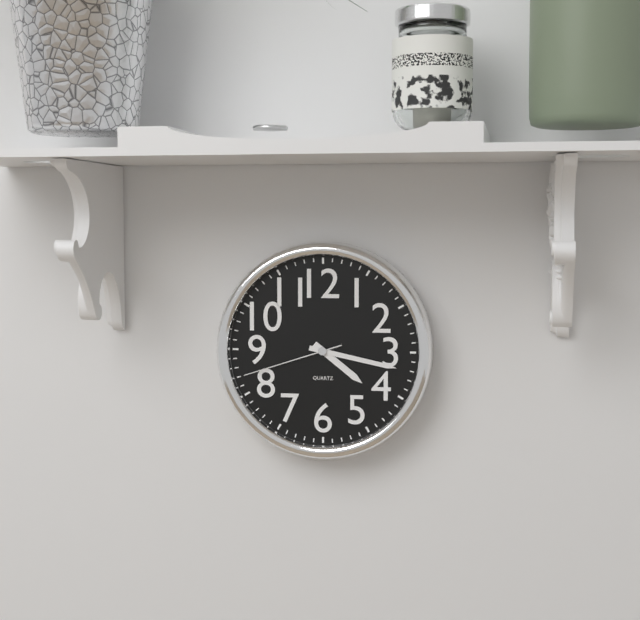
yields 4h17m42s
